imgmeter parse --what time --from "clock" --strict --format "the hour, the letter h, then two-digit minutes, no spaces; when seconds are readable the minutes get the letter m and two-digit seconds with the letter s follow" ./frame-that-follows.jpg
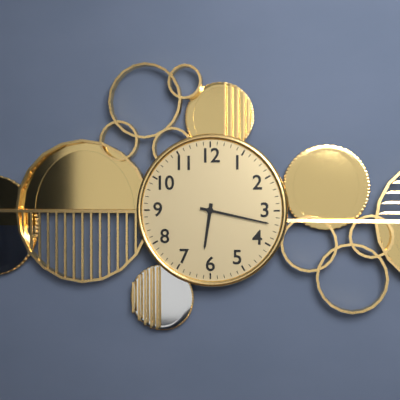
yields 6h17
